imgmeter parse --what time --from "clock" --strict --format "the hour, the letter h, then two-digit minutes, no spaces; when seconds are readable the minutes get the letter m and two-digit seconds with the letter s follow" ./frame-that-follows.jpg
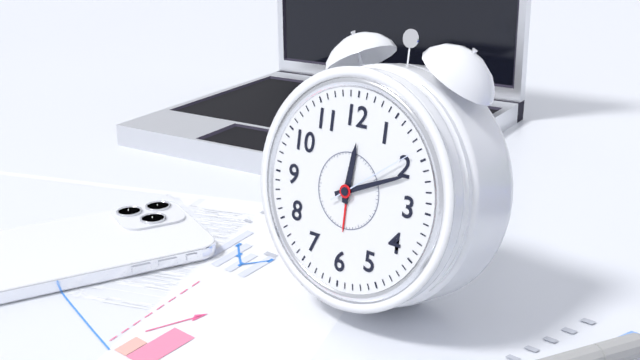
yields 12h11m09s
